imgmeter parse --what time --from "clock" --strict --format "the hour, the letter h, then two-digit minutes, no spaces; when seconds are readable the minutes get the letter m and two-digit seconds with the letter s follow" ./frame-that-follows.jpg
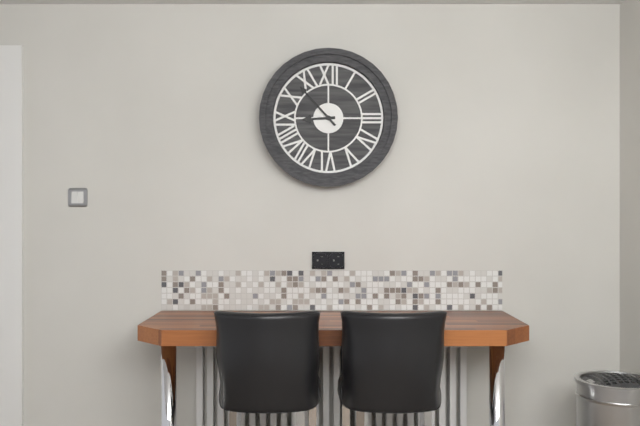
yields 8h53
